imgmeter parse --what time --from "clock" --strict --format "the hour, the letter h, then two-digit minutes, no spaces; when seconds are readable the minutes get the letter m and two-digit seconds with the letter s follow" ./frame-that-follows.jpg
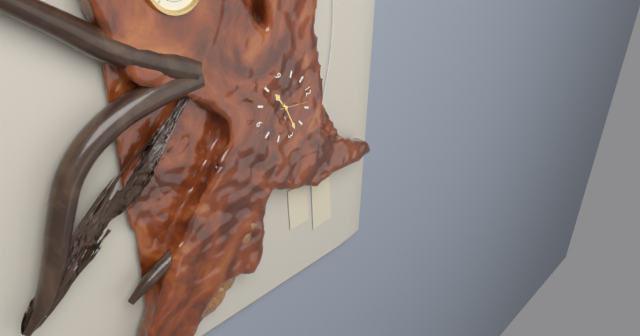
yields 8h13
